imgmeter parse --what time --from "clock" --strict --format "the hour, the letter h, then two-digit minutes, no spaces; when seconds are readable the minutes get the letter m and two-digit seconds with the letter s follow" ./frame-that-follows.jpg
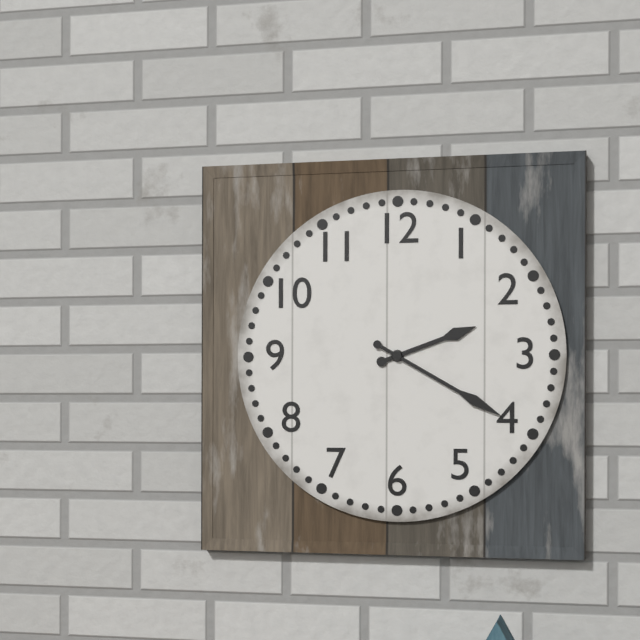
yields 2h20
